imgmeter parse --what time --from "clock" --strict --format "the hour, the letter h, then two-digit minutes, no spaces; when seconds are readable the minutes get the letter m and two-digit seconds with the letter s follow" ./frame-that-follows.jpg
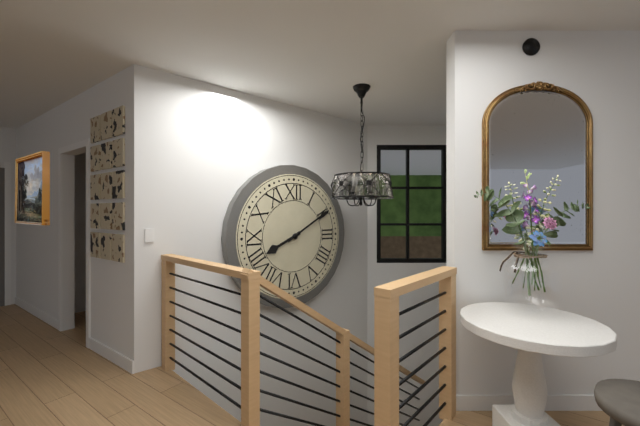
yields 8h10
